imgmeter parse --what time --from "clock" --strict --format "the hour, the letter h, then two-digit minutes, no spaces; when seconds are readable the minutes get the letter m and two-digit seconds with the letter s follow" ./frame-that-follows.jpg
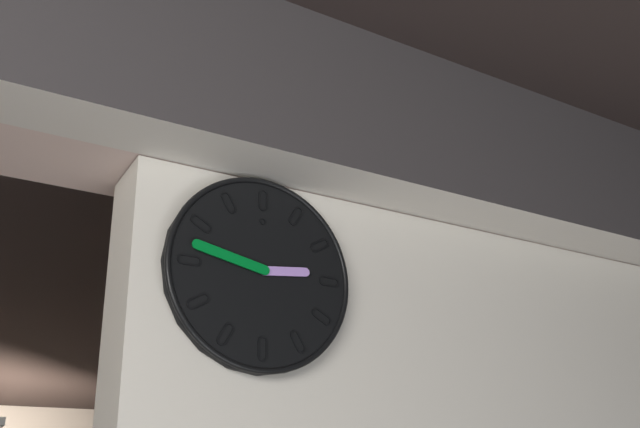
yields 2h47
